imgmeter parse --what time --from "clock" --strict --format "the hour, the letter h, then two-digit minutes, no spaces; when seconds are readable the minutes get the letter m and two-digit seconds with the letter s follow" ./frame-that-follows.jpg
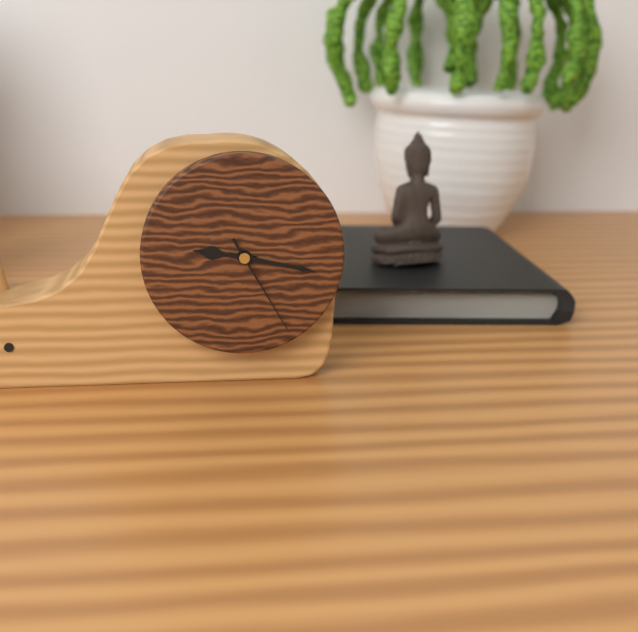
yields 9h17m25s
